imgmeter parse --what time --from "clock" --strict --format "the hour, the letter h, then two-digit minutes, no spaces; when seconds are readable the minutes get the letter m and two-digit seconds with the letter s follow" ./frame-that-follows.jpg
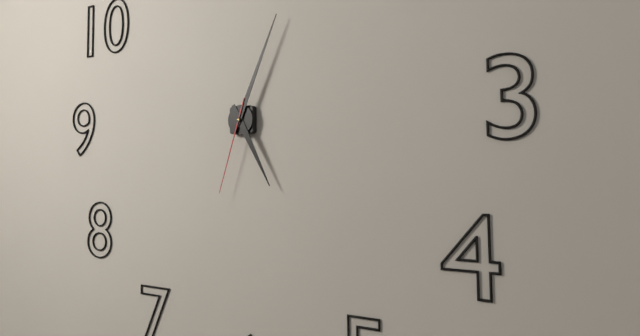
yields 5h04m33s
